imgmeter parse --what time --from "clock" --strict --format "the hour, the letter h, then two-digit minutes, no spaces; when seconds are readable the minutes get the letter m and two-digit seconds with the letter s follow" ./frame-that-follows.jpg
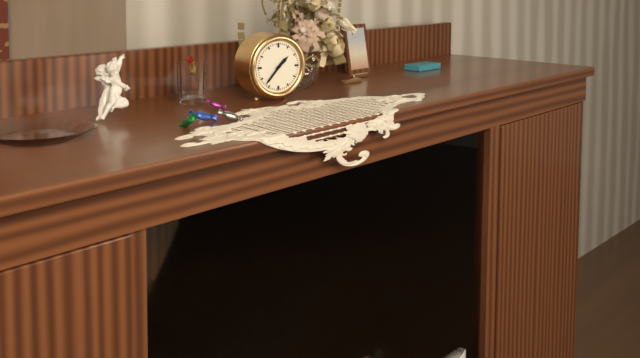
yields 1h37
